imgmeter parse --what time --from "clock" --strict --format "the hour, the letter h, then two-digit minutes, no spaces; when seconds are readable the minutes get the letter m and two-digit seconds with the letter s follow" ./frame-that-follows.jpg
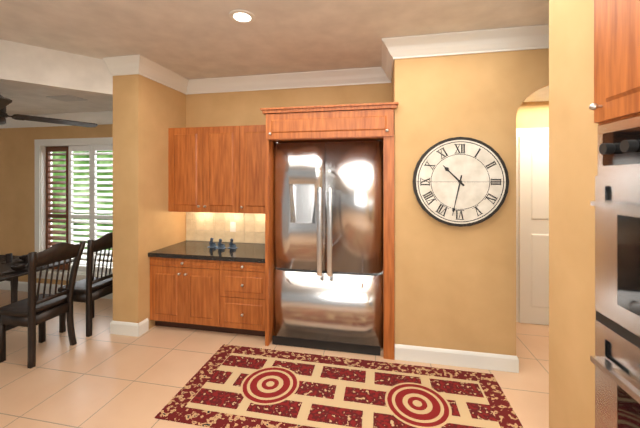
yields 10h32
